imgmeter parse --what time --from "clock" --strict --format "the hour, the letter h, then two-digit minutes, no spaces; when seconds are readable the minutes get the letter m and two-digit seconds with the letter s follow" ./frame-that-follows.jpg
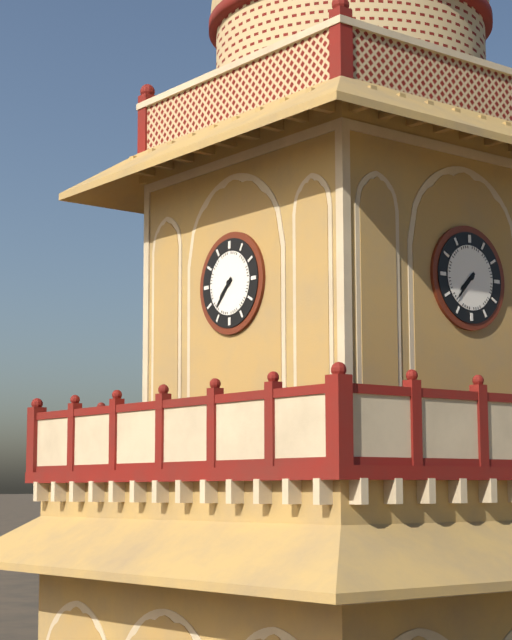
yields 7h37
